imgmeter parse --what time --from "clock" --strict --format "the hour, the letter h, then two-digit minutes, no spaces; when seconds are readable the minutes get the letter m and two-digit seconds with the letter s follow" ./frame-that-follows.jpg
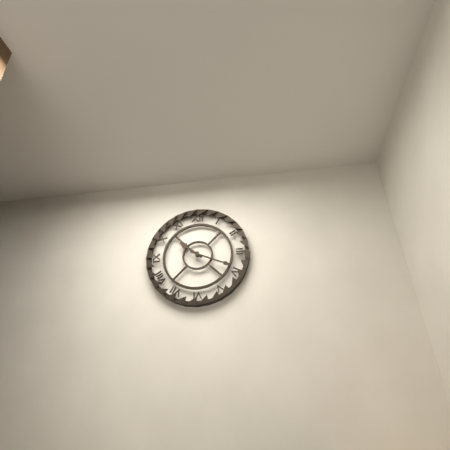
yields 10h19
